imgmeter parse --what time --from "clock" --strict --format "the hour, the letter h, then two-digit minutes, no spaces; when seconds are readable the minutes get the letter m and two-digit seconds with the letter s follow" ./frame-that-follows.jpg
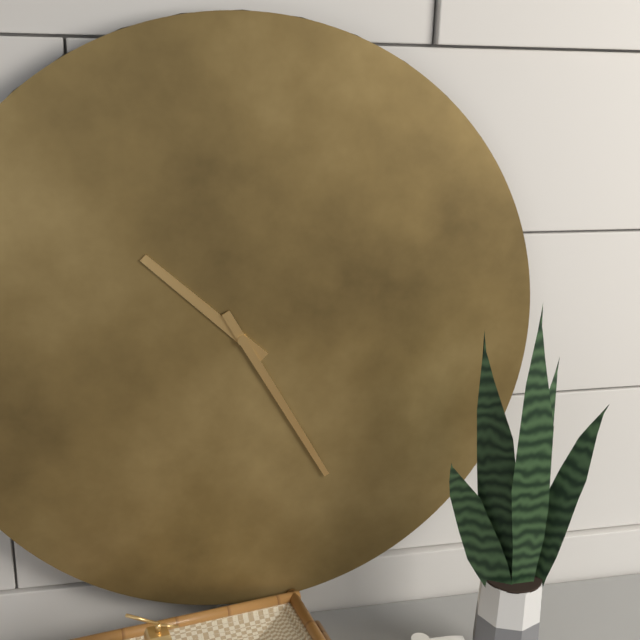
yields 10h25
